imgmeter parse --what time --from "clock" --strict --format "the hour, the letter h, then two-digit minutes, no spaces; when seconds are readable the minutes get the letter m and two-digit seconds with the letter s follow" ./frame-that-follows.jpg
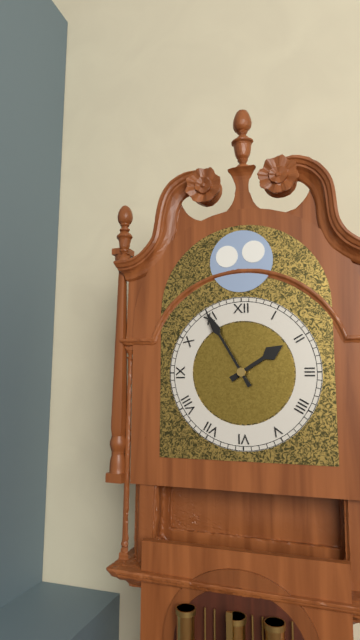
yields 1h55
